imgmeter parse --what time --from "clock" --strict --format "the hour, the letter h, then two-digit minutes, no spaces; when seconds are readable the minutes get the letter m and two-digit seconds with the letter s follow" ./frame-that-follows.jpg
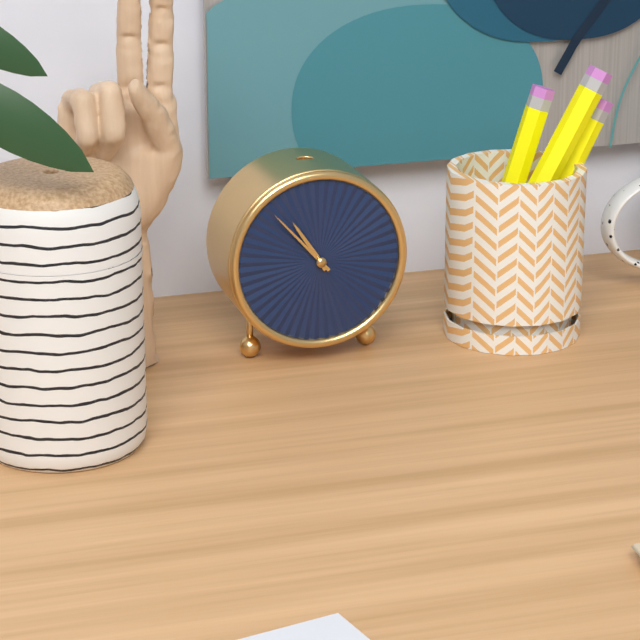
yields 10h53
